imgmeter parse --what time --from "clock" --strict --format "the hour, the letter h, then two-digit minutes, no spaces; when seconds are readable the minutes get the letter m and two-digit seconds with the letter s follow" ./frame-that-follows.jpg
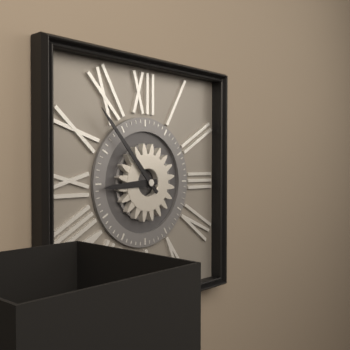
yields 8h53
